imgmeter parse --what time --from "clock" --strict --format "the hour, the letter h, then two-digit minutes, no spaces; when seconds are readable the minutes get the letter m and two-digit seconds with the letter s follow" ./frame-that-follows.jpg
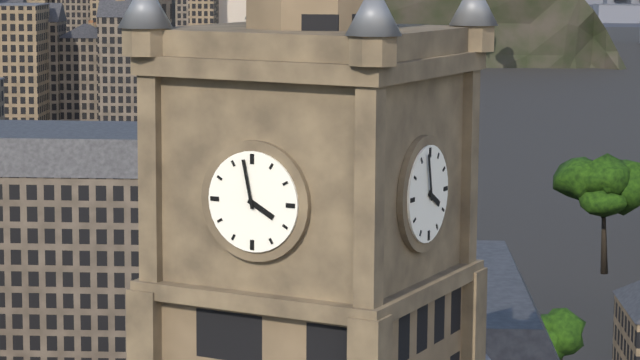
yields 3h58
